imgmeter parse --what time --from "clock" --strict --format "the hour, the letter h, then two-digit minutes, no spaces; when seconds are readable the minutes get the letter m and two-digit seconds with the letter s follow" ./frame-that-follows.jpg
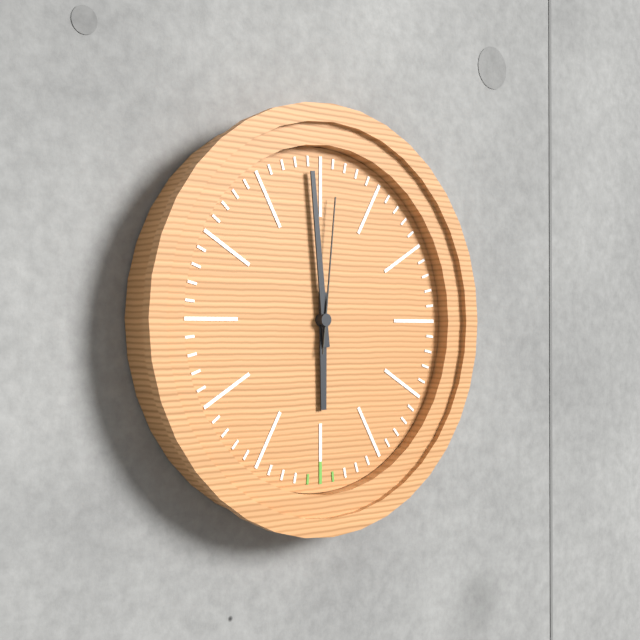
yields 5h59m01s
